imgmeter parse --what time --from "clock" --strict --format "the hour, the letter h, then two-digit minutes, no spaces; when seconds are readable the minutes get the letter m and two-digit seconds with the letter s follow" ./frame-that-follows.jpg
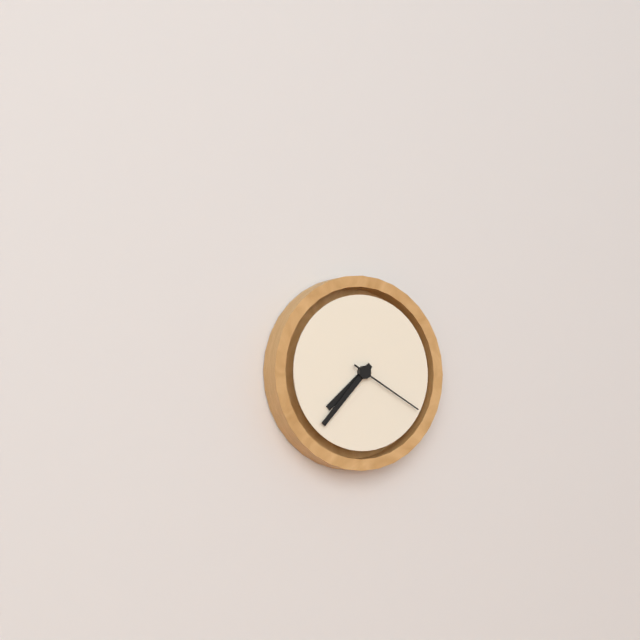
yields 7h37m20s
